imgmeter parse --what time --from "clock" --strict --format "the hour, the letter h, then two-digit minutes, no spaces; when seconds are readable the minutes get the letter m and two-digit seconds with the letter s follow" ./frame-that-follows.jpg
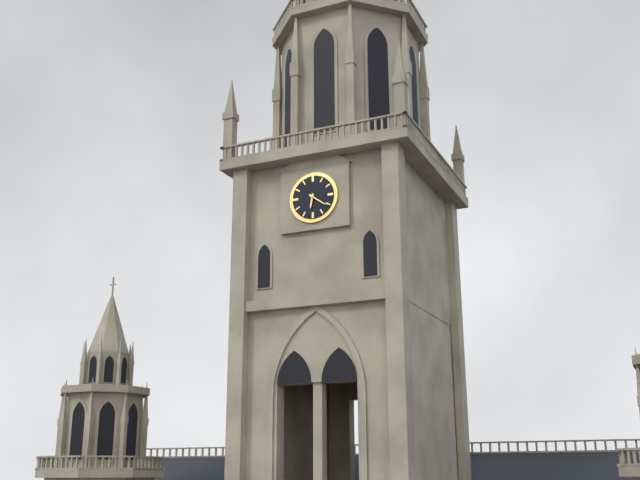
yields 6h21
